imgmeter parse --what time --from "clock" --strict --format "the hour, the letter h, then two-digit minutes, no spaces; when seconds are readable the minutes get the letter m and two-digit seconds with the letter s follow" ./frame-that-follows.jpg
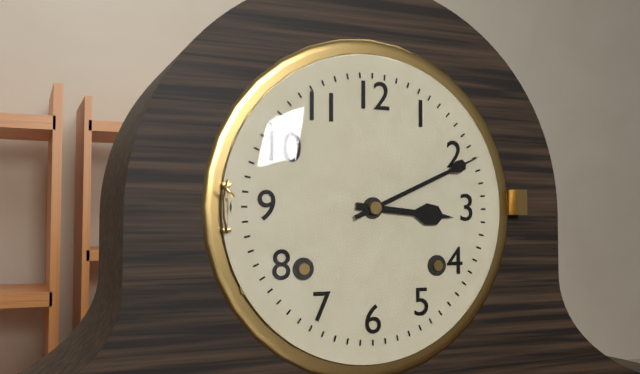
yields 3h11
